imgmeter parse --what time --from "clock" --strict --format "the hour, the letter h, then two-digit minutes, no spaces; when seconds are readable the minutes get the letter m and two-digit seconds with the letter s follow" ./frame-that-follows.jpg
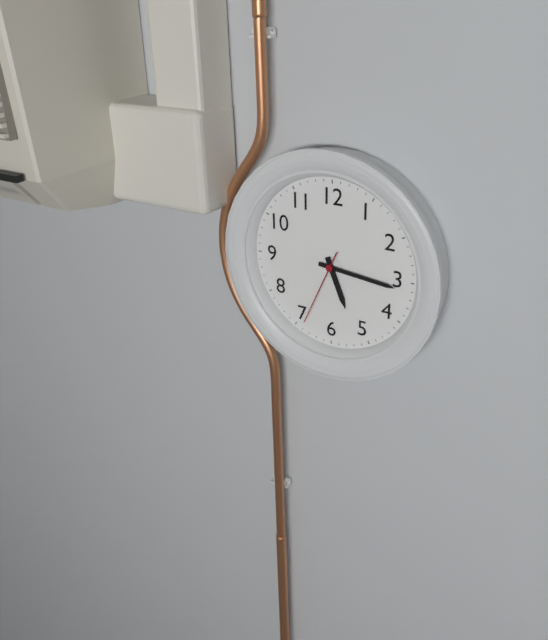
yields 5h16m34s
